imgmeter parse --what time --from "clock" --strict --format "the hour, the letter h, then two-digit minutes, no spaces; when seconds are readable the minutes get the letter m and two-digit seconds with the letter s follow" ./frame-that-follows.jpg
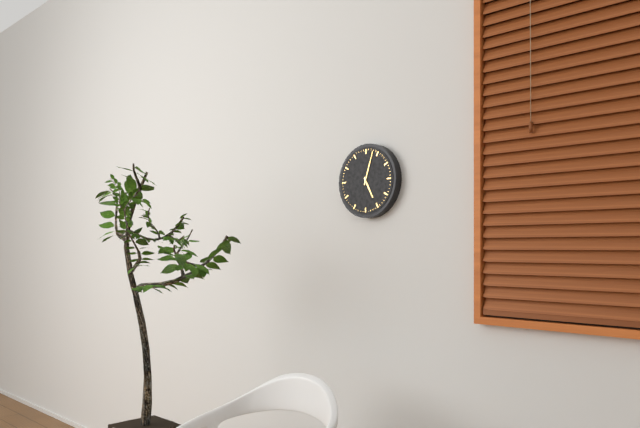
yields 5h03
